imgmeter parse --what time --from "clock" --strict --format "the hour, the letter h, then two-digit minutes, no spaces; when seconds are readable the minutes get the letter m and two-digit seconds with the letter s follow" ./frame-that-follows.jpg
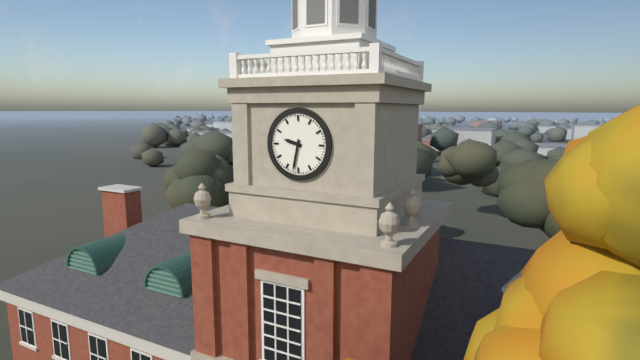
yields 9h32
